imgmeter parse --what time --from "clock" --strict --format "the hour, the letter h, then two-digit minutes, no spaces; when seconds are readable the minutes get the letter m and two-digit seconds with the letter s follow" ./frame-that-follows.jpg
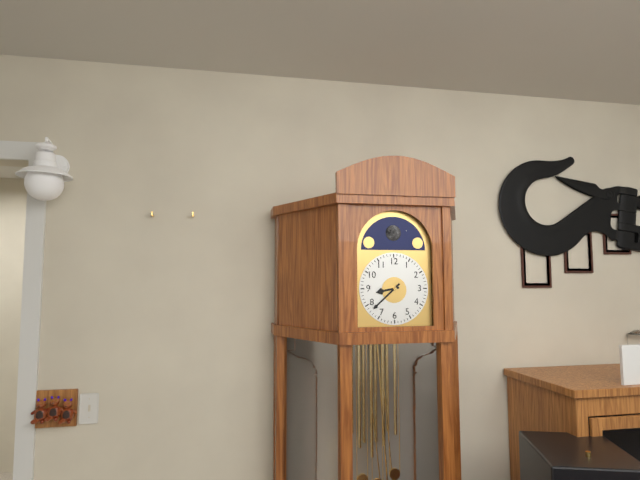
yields 8h38
